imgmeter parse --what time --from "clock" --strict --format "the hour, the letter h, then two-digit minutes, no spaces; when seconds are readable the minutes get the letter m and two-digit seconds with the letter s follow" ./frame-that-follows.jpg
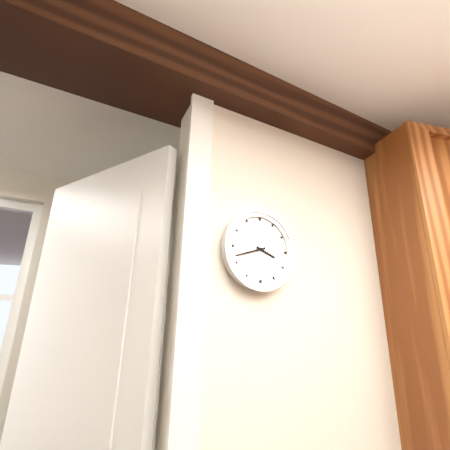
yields 3h42
